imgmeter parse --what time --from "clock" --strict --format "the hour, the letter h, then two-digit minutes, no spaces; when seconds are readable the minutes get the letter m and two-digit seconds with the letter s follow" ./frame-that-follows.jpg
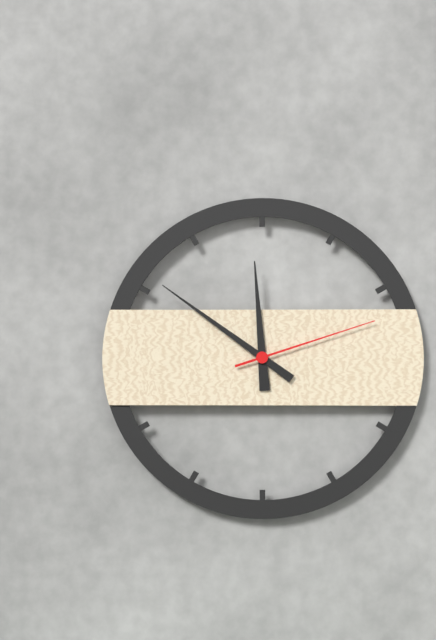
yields 11h51m12s
